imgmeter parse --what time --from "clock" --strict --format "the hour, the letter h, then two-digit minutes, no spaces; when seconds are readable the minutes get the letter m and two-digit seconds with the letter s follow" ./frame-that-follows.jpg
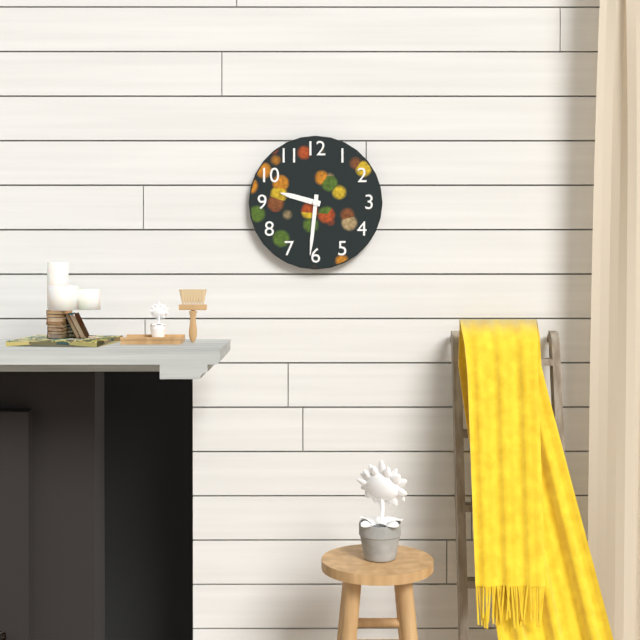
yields 9h31
